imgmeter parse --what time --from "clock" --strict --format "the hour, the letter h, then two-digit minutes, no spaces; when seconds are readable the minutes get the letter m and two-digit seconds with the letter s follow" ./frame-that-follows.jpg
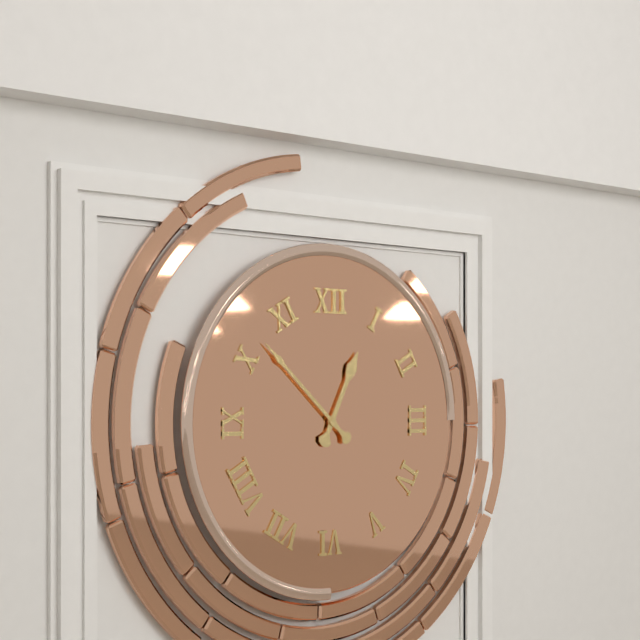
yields 12h52
